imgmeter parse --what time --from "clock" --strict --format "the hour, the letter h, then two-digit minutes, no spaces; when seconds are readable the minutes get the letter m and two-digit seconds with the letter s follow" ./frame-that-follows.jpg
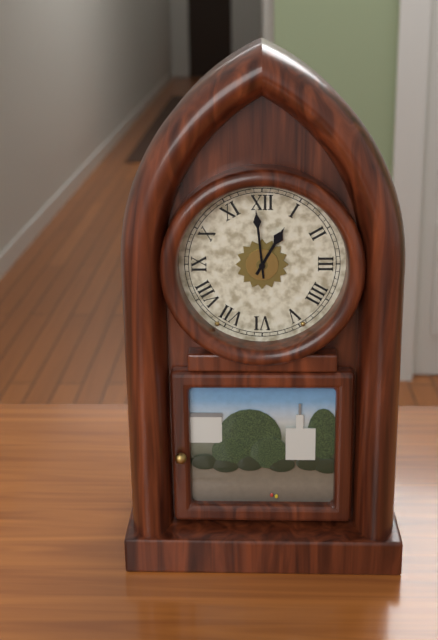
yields 12h59
